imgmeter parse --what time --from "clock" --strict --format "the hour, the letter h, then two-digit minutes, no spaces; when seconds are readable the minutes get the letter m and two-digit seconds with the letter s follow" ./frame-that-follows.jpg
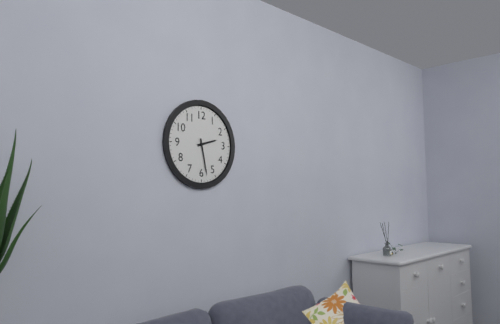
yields 2h28
